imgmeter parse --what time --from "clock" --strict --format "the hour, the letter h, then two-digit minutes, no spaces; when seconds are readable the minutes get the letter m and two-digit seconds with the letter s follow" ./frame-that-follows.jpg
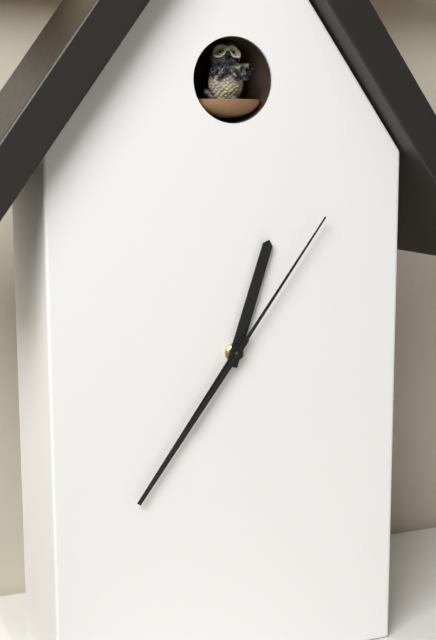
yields 12h36m06s
